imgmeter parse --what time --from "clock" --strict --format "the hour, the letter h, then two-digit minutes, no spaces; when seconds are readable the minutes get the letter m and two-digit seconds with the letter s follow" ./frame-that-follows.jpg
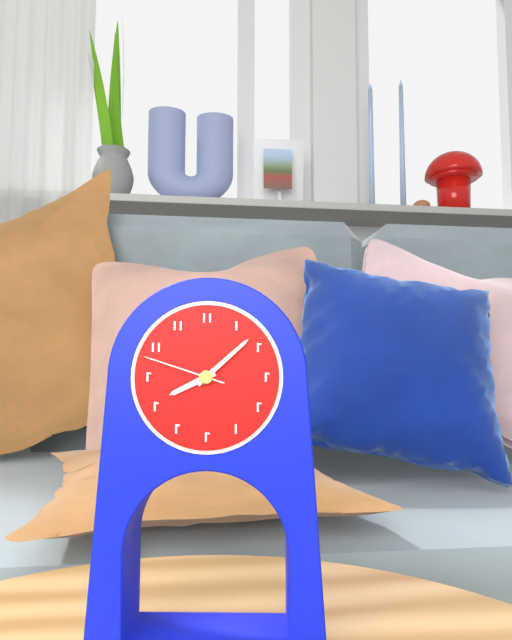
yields 8h08m48s
